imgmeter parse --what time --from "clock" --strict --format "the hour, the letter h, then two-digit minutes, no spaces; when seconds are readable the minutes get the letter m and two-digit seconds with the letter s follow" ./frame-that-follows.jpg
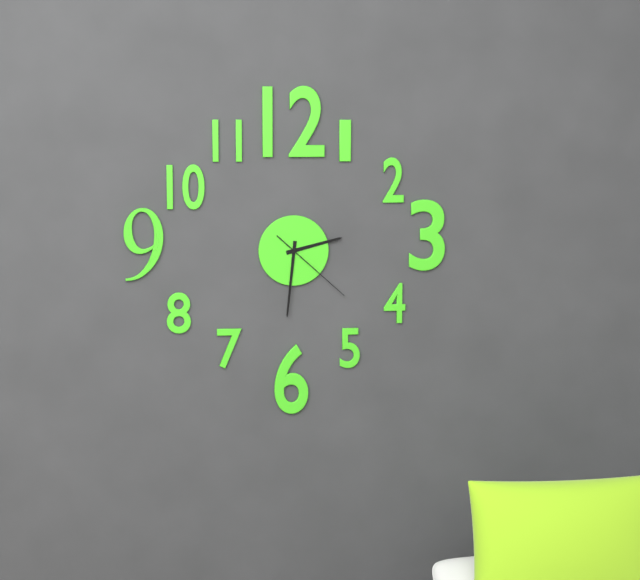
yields 2h31m22s
